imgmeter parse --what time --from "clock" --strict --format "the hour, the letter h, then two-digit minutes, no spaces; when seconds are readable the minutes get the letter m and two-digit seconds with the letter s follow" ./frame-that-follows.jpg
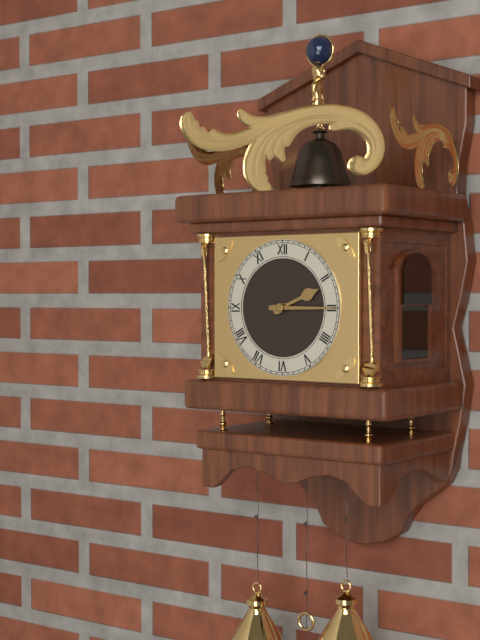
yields 2h15
